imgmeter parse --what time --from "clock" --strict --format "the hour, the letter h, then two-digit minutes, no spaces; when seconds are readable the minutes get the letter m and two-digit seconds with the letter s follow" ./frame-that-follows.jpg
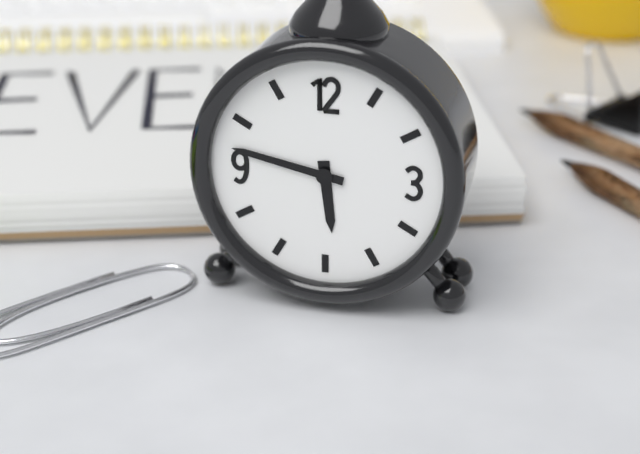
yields 5h47
